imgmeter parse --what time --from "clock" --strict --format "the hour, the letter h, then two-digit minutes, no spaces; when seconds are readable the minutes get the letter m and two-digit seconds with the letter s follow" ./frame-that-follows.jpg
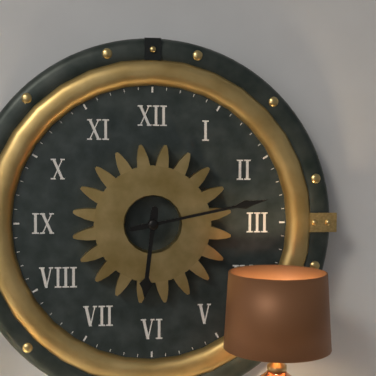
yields 6h13
